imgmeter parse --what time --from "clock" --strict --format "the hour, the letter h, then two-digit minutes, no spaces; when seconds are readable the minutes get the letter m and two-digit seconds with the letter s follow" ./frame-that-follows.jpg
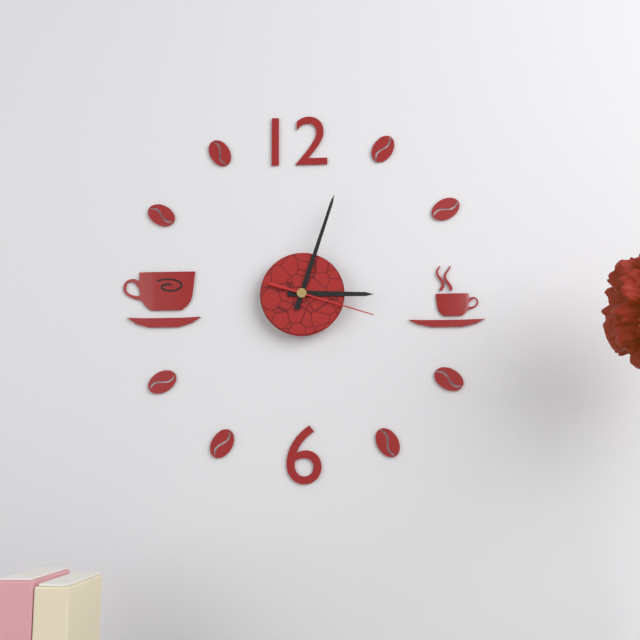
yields 3h03m18s
